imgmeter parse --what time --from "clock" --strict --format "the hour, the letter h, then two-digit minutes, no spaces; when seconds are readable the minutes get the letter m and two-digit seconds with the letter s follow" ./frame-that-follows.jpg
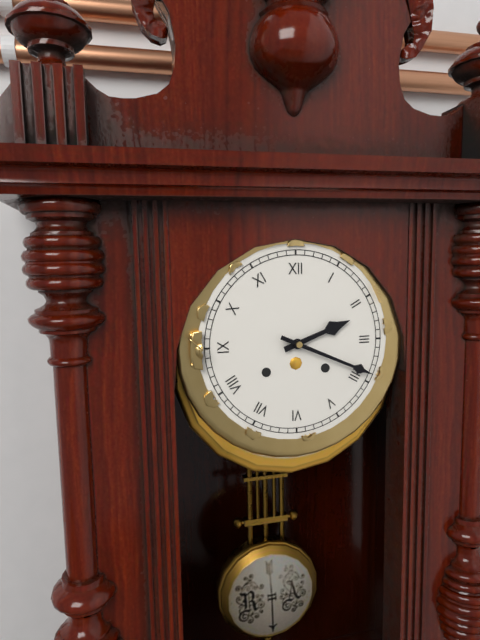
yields 2h19
